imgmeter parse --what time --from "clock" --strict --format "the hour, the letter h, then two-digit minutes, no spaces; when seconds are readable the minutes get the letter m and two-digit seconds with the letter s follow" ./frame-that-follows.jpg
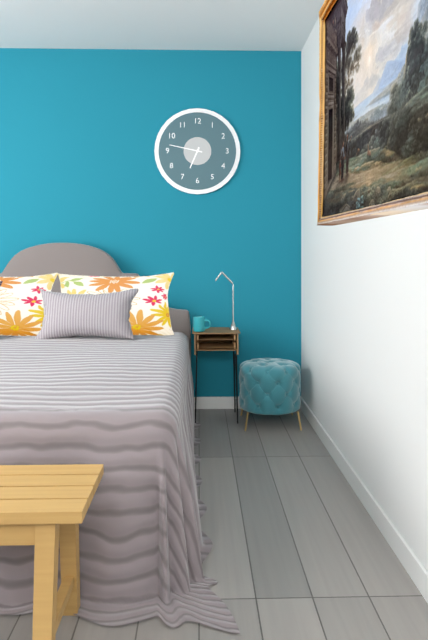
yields 6h47
